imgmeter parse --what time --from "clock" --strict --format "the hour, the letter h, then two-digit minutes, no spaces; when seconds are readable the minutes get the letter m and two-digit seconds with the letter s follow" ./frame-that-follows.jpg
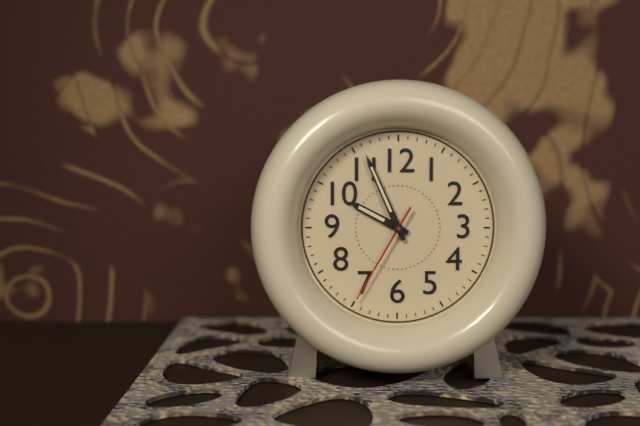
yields 9h56m35s
